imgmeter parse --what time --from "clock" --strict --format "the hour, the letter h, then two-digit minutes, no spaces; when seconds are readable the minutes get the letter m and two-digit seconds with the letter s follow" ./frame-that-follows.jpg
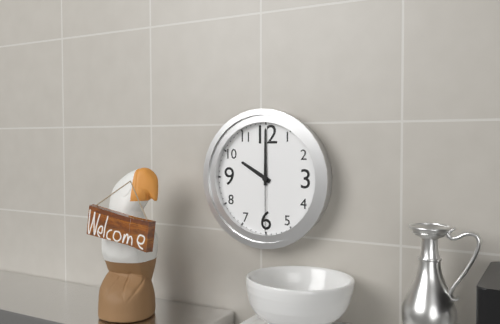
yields 10h00m30s
